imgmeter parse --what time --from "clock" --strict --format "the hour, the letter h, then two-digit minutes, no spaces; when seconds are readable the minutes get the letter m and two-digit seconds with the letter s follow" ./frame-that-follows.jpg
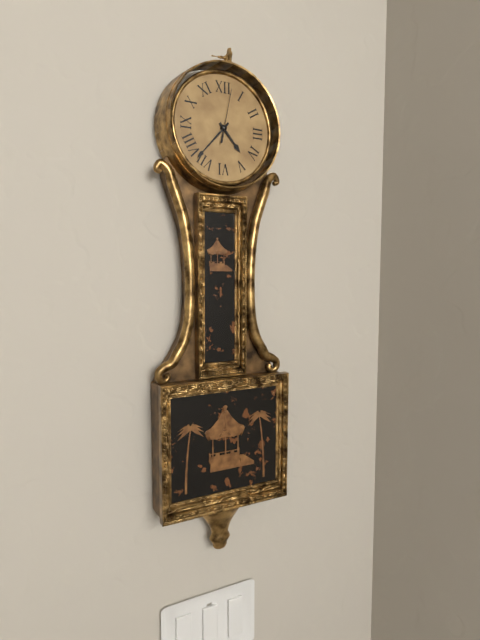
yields 4h37m02s
